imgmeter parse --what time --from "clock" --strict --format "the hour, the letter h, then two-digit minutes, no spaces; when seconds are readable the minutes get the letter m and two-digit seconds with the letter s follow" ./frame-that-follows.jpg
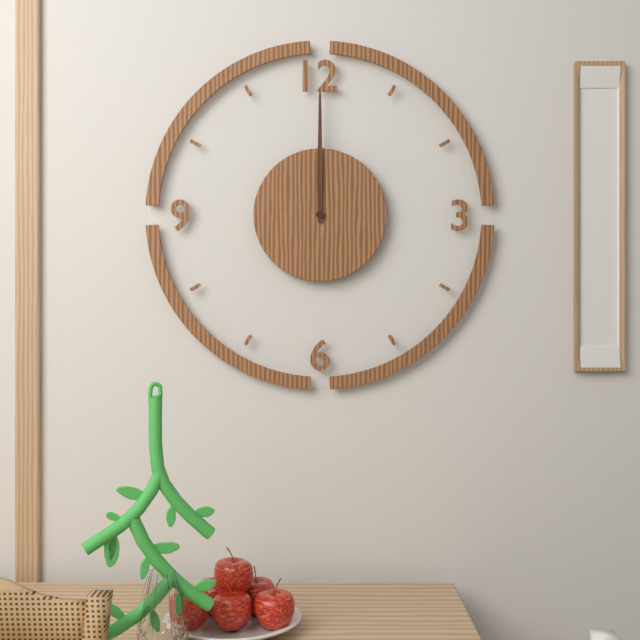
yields 12h00
